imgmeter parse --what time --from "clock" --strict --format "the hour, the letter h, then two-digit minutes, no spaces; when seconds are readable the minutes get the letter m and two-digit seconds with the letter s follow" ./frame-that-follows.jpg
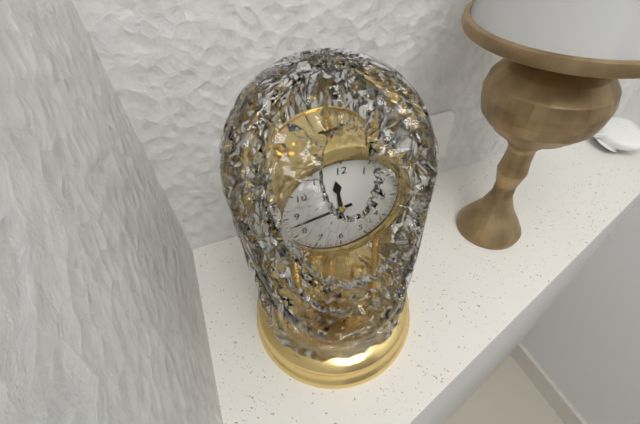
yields 11h43
